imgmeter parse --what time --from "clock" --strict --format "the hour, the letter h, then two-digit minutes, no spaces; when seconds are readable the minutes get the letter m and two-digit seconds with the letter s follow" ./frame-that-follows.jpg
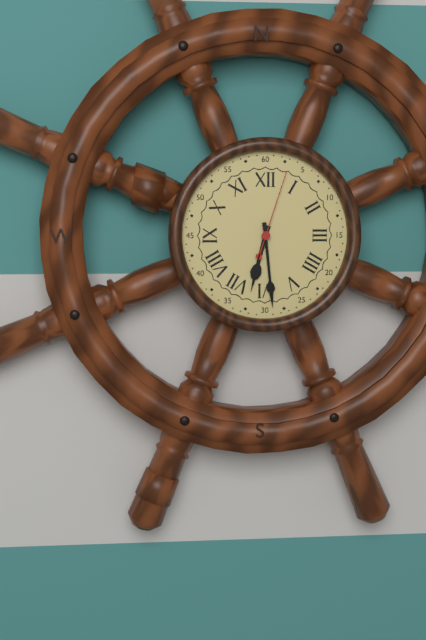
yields 6h29m03s
